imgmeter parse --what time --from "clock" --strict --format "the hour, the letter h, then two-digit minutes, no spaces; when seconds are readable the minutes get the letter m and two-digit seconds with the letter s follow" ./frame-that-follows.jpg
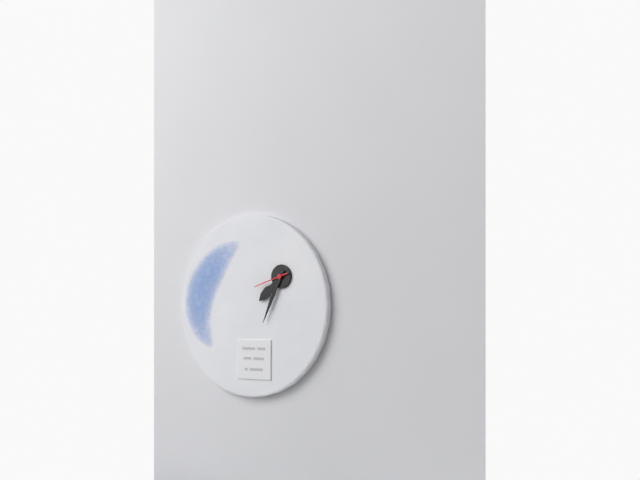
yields 7h34
